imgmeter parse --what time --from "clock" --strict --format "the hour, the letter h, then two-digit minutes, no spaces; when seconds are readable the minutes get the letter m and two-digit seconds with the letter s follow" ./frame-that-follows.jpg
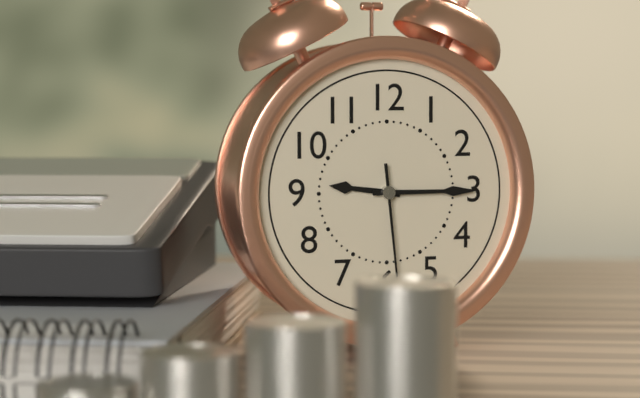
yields 9h15m29s
